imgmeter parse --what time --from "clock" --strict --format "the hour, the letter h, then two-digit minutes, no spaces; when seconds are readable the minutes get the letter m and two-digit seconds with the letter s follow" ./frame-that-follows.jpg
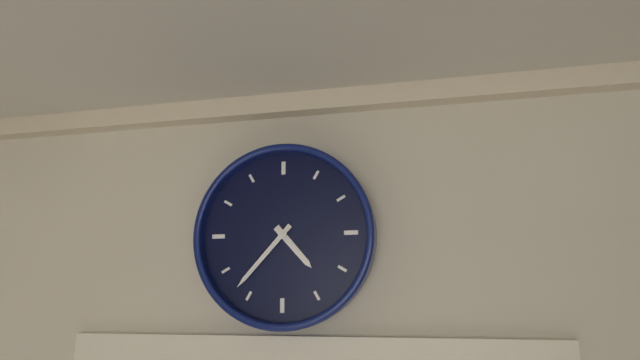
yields 4h37
